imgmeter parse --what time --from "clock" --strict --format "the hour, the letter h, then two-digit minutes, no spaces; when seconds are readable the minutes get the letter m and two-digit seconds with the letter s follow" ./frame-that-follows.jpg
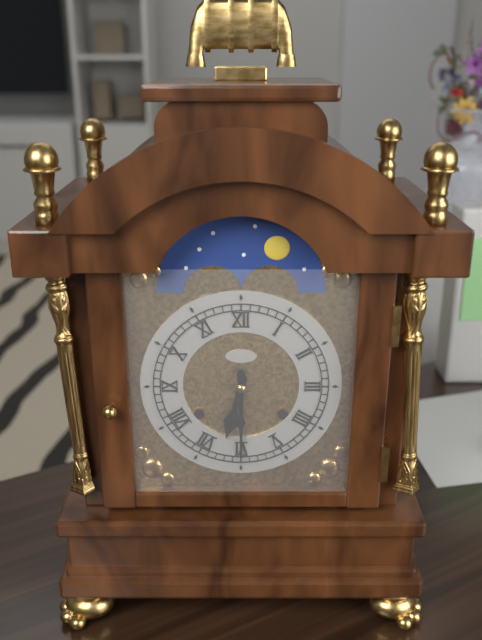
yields 6h30
